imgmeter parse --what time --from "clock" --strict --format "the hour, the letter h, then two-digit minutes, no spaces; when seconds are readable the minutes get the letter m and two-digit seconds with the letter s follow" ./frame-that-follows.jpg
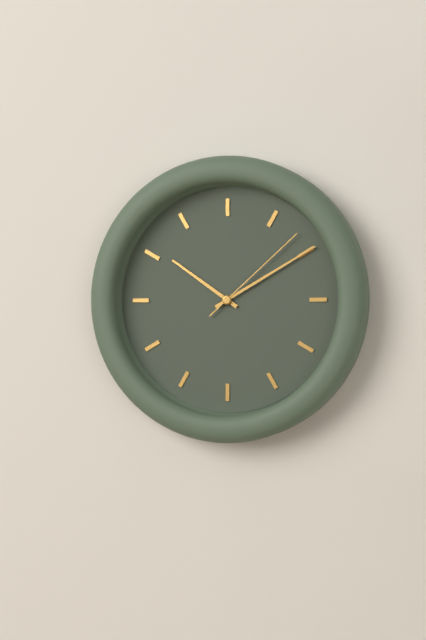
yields 10h10m08s
